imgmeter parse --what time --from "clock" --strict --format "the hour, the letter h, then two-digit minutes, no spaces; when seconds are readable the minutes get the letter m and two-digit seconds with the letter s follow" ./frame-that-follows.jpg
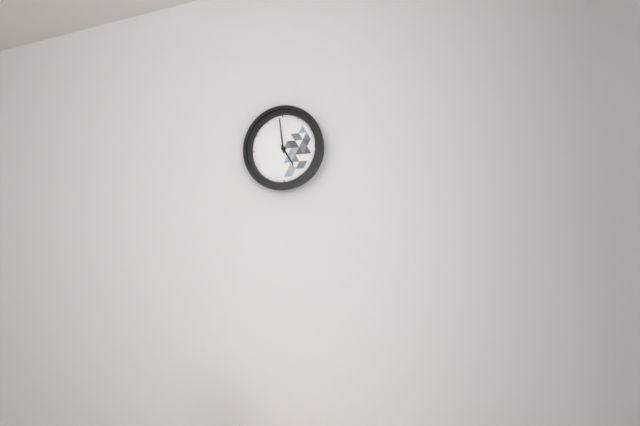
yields 4h59
